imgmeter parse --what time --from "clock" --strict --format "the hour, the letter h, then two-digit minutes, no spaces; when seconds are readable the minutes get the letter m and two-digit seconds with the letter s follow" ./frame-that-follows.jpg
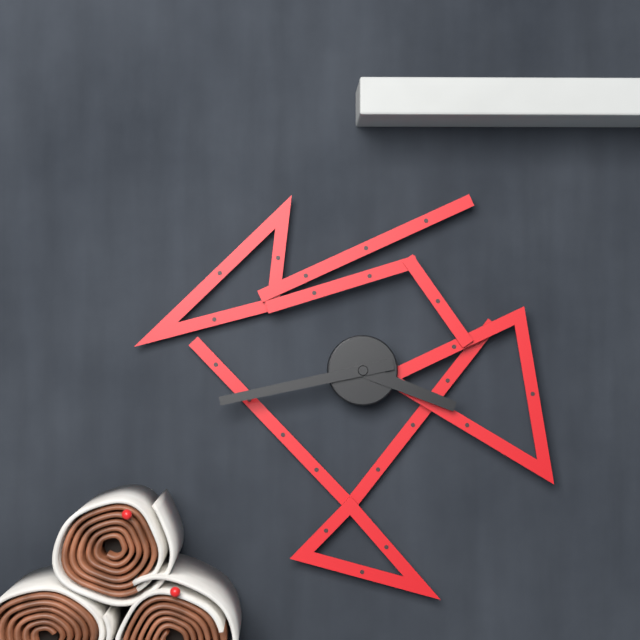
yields 3h43
